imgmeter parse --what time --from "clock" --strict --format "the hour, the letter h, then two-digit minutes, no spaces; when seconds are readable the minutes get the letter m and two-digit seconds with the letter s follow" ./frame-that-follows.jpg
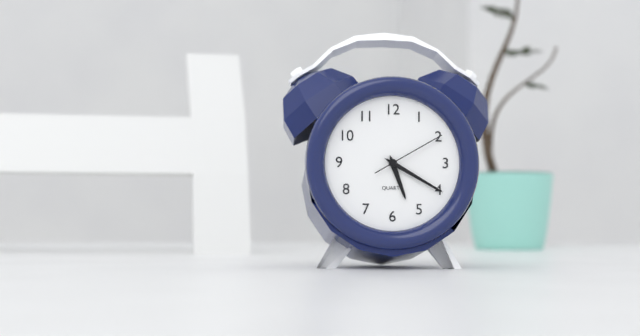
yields 5h20m10s
